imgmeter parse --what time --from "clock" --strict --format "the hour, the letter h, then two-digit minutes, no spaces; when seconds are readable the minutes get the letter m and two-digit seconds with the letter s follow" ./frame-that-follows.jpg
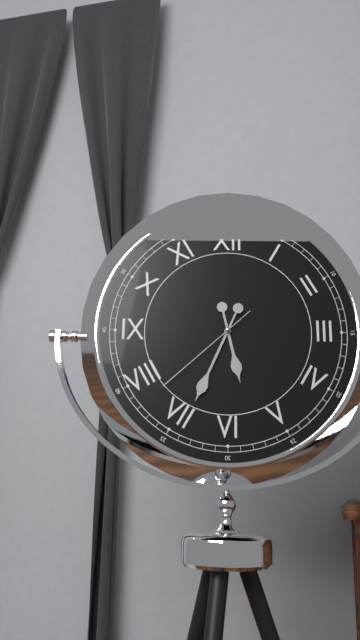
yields 5h34m38s
